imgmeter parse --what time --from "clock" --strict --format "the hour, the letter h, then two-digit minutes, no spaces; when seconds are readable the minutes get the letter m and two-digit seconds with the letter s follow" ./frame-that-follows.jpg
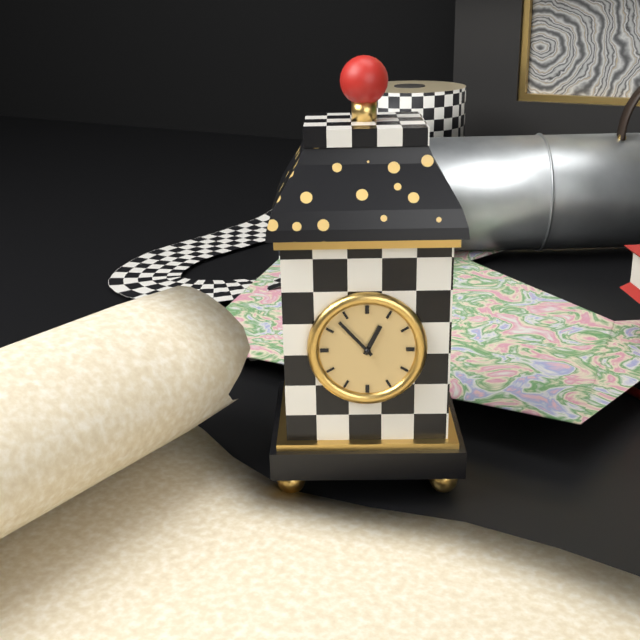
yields 12h53
